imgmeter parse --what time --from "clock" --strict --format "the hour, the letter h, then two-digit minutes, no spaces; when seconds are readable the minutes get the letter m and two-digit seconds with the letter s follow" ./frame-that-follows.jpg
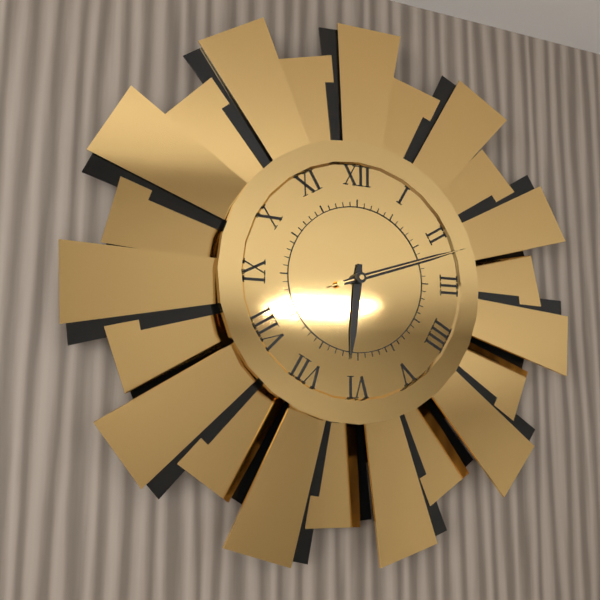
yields 6h12m12s
